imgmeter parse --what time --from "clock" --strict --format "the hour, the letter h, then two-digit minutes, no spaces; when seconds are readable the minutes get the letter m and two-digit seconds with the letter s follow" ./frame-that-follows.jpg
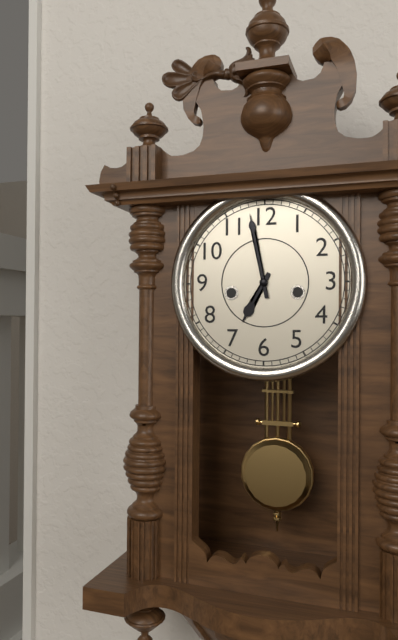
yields 6h58
